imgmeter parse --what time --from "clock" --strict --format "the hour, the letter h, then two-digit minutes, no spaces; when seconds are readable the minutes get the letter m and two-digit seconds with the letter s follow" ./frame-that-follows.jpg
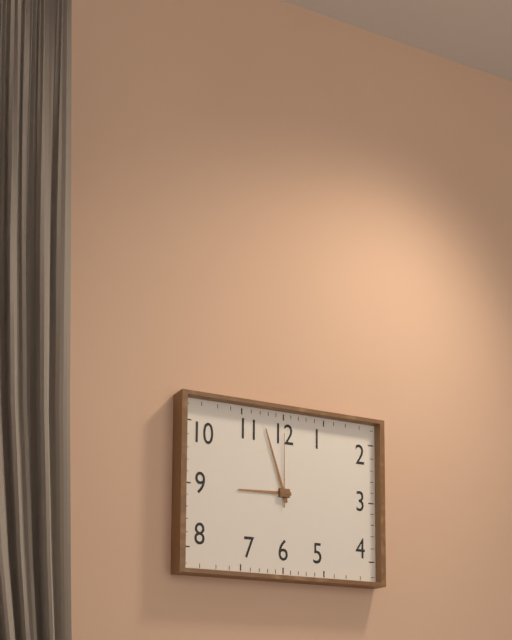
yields 8h57m00s
